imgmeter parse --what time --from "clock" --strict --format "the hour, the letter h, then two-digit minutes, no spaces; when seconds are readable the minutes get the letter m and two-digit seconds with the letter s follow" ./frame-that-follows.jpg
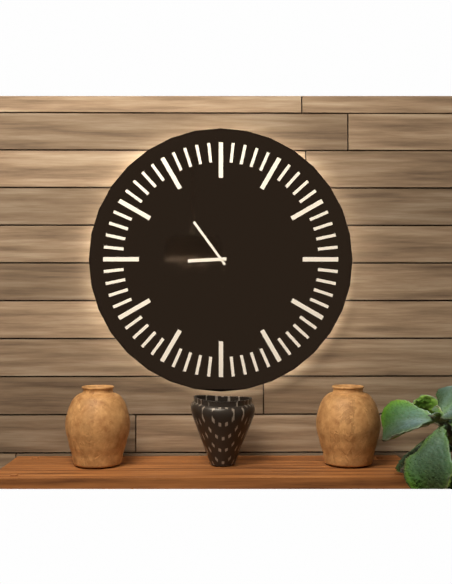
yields 8h54
